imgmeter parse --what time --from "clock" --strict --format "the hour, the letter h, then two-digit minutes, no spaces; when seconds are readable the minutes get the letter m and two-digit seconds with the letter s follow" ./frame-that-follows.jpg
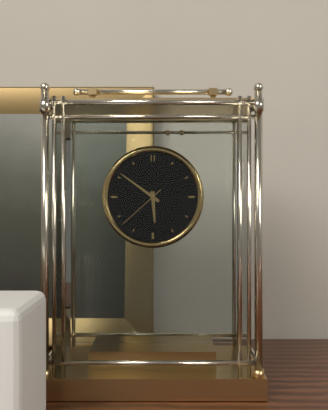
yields 5h51m38s
